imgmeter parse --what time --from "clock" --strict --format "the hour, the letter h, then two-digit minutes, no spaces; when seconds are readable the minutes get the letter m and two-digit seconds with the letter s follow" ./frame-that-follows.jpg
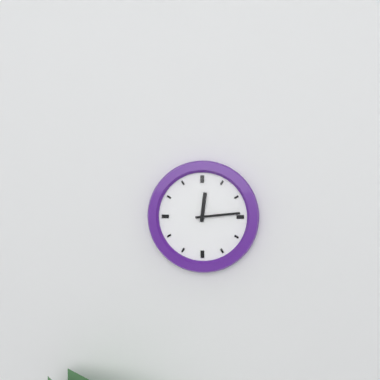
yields 12h14
